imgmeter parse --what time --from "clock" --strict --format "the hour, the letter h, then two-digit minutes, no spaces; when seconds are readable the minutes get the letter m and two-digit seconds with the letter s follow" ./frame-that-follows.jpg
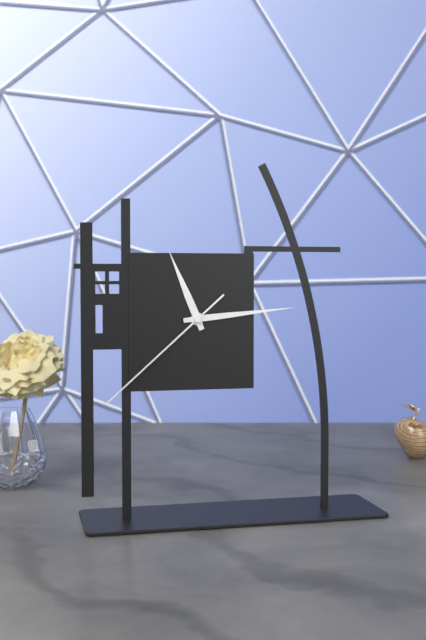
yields 11h14m38s
